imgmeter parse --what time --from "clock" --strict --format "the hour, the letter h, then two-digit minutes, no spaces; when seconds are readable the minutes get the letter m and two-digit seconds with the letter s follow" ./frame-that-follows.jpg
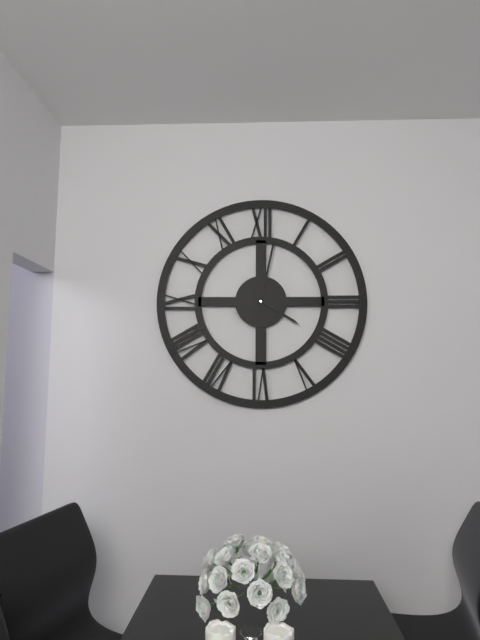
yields 4h02
